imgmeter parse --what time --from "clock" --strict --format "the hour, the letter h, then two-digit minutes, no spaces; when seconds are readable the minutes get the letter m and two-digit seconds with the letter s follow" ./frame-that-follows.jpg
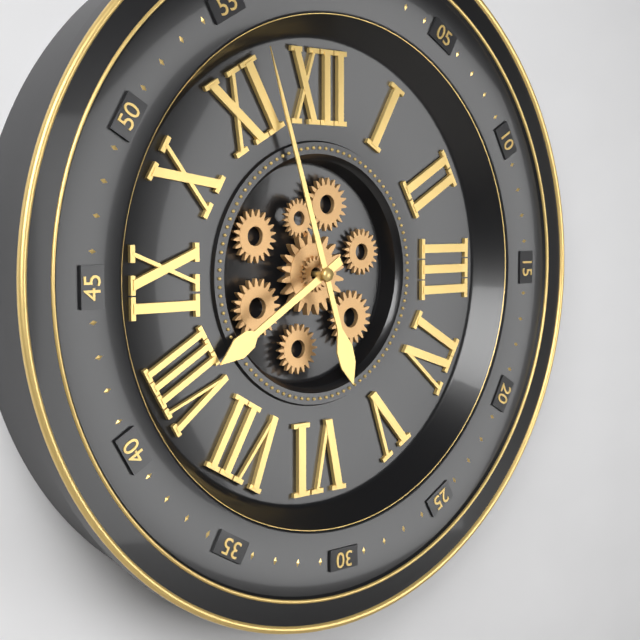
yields 7h57
